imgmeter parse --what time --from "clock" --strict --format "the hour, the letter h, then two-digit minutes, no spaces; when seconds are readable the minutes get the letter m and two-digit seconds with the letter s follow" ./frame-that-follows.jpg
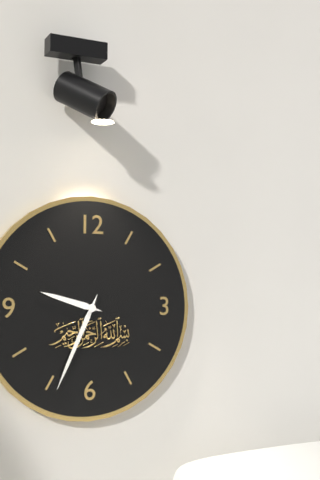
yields 9h34
